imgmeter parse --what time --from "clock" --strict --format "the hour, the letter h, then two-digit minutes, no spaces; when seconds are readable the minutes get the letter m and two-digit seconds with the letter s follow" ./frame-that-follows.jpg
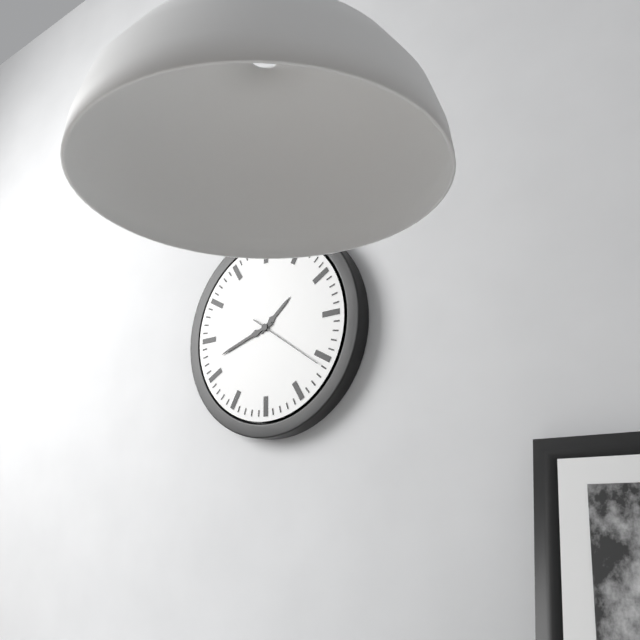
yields 1h42m21s
